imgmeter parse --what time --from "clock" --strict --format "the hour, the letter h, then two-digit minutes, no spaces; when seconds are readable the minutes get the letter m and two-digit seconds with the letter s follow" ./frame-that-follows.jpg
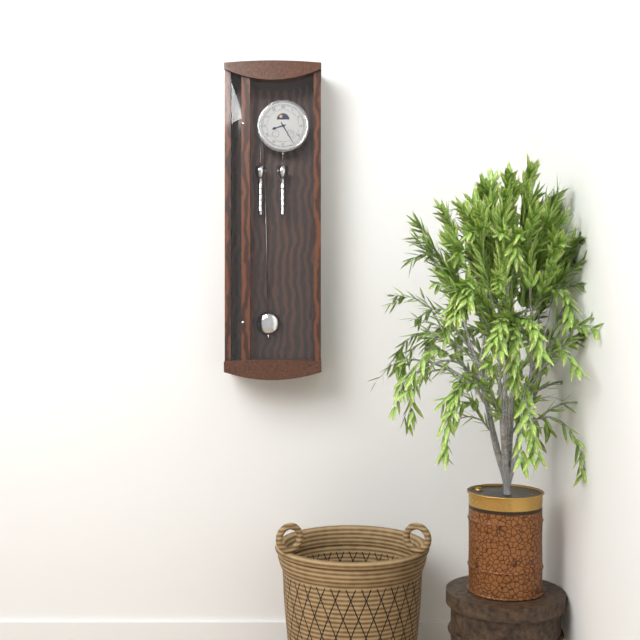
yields 8h25
